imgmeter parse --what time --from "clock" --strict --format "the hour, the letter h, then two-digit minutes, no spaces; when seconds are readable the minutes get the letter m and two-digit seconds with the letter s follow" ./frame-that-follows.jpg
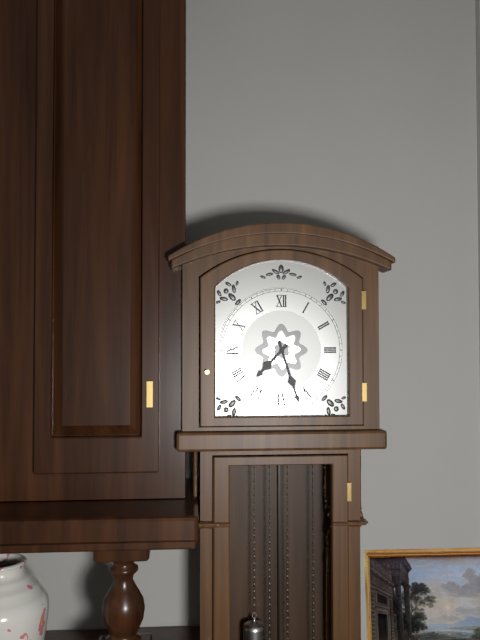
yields 7h27
